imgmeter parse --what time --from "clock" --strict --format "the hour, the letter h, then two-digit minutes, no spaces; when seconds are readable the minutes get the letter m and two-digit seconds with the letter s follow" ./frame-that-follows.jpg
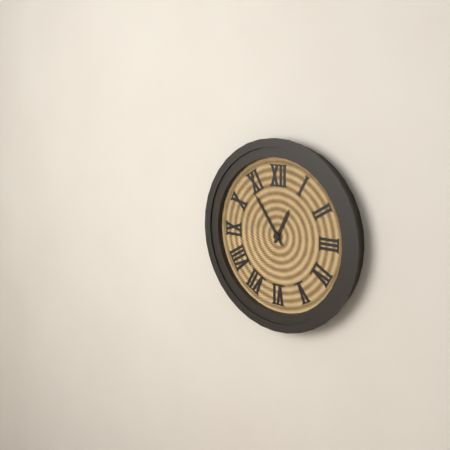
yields 12h54
